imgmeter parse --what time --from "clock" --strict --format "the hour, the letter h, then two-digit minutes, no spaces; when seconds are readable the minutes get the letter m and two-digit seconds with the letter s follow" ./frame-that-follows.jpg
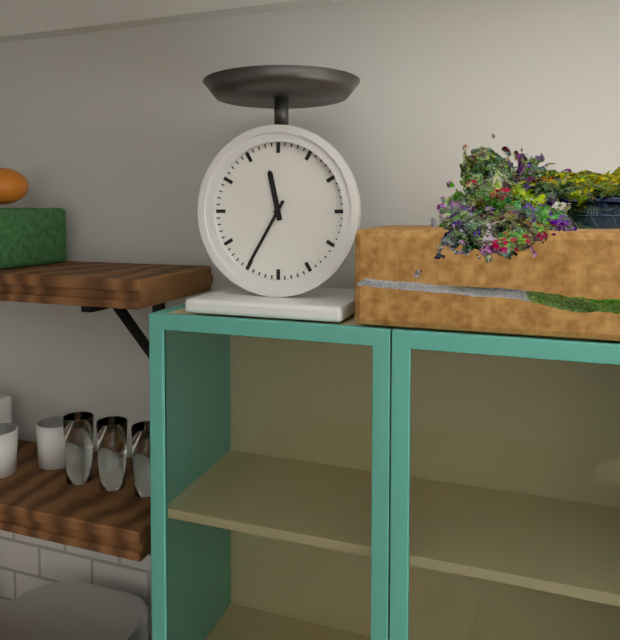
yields 11h35
